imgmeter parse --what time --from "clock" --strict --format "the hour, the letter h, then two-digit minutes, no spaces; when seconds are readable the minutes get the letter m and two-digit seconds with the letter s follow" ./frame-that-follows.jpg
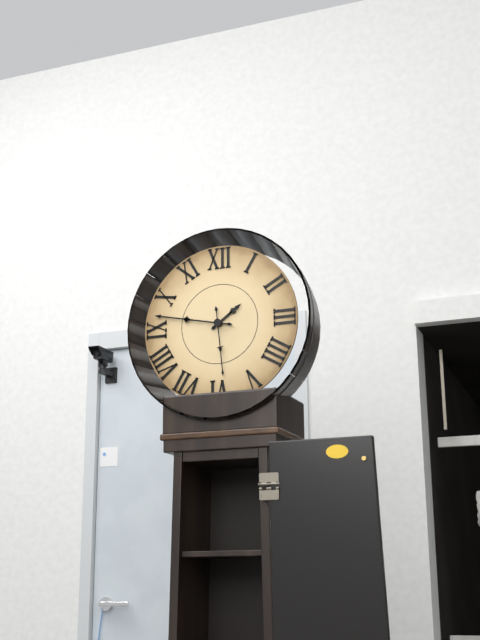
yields 1h47m29s
